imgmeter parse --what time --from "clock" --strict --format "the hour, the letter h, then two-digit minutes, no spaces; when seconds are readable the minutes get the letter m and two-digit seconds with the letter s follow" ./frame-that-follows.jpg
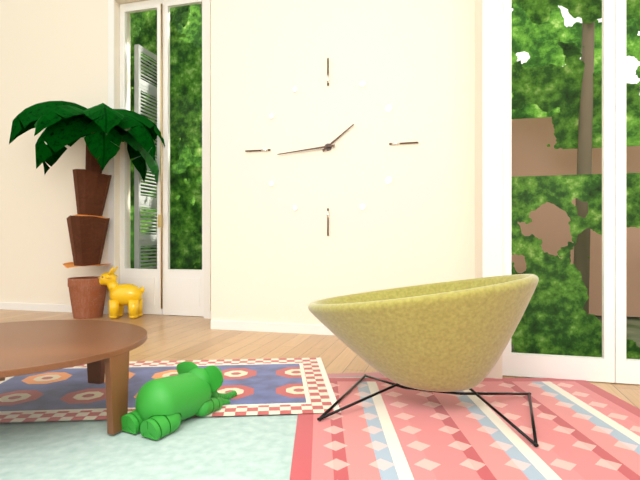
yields 1h44
